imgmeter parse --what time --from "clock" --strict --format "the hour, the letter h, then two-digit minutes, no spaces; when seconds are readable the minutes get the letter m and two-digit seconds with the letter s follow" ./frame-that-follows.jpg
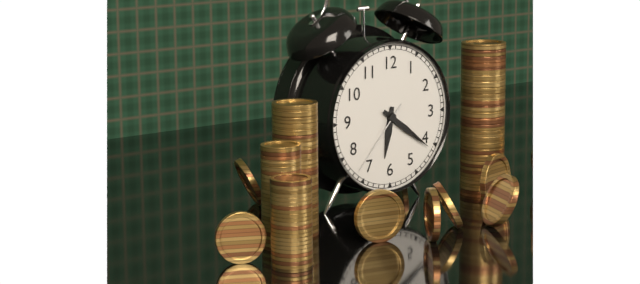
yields 6h21m37s
